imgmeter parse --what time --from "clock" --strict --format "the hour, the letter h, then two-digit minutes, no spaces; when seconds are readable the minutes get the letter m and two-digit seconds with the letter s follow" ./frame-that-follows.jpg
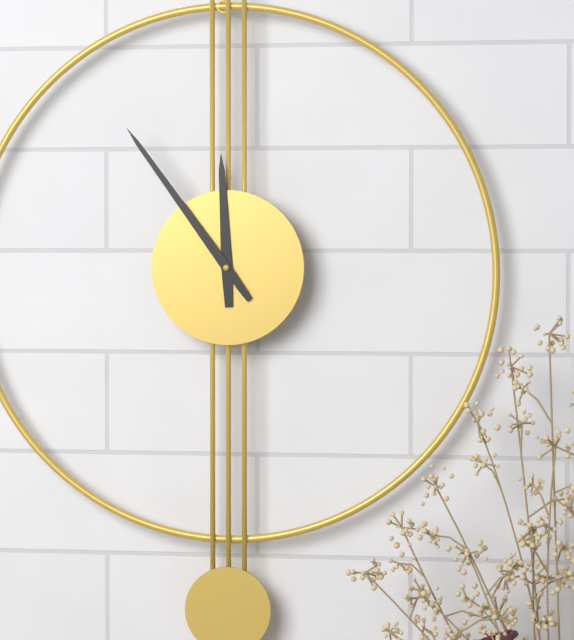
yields 11h54
